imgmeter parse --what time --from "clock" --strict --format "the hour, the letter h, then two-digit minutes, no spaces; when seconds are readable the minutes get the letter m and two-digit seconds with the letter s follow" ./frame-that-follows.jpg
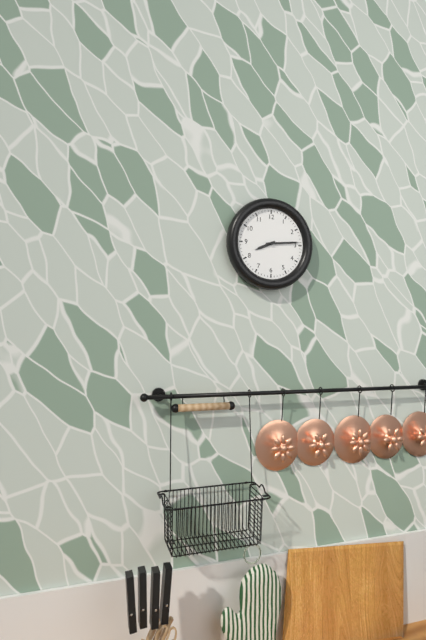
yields 8h14
